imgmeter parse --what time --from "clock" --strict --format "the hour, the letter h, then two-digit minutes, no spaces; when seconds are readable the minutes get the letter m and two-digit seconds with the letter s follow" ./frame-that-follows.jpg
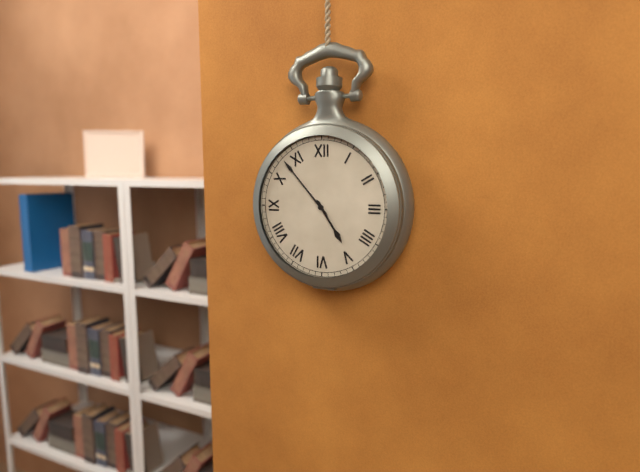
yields 4h53
